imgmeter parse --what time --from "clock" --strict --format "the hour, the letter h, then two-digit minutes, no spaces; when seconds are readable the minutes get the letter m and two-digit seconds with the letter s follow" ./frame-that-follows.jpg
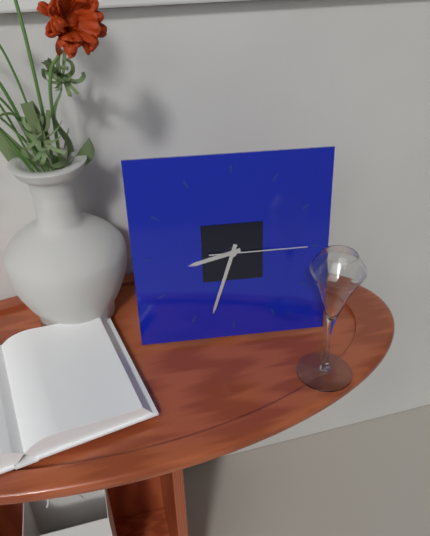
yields 8h33m15s
